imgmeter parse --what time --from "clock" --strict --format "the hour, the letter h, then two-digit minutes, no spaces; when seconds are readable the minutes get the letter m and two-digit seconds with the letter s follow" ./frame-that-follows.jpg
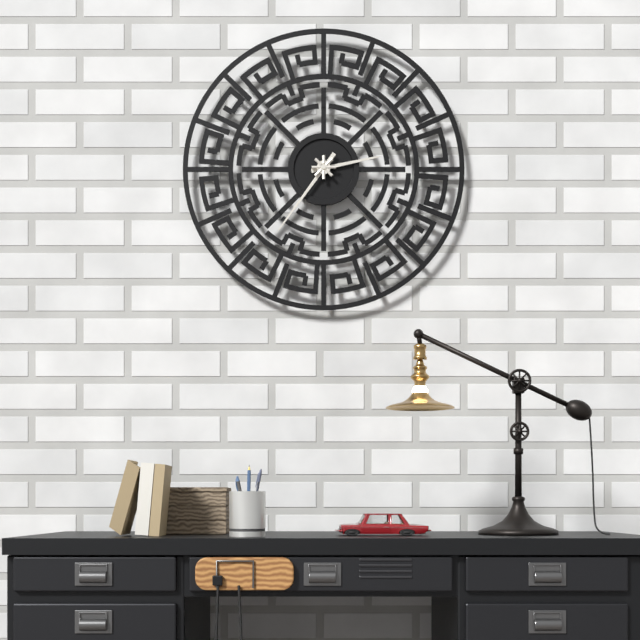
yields 2h36
